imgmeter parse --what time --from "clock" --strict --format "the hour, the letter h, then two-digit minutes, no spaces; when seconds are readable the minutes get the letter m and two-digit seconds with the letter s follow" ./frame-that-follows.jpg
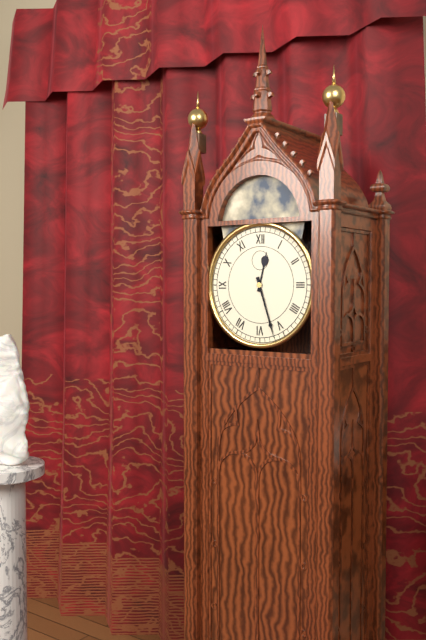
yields 12h27
